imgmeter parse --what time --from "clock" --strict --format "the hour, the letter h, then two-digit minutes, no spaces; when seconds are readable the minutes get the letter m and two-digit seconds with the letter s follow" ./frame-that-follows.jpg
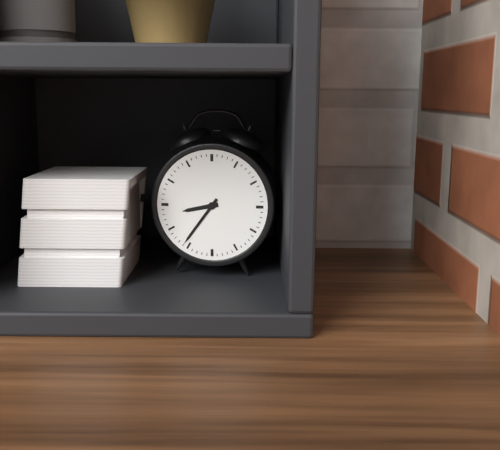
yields 8h36
